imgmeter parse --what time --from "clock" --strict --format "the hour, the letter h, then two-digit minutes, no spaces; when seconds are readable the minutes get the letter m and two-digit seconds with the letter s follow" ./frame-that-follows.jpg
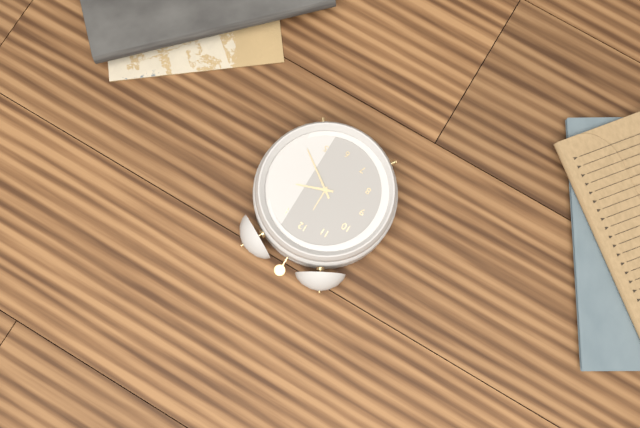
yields 2h21
